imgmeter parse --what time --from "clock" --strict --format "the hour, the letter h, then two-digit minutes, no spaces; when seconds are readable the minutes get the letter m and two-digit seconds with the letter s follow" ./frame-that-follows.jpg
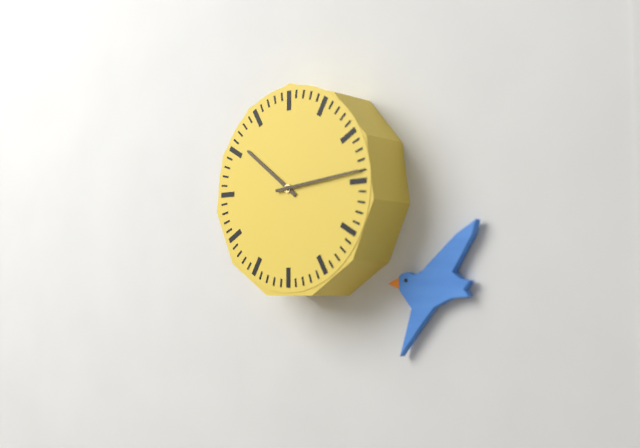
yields 10h14
